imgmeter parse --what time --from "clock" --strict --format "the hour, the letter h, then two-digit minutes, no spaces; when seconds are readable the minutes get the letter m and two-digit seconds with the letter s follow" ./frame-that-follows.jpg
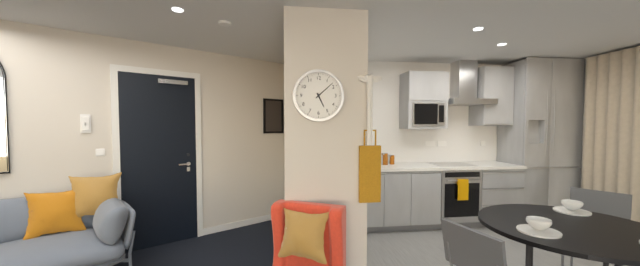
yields 5h08
